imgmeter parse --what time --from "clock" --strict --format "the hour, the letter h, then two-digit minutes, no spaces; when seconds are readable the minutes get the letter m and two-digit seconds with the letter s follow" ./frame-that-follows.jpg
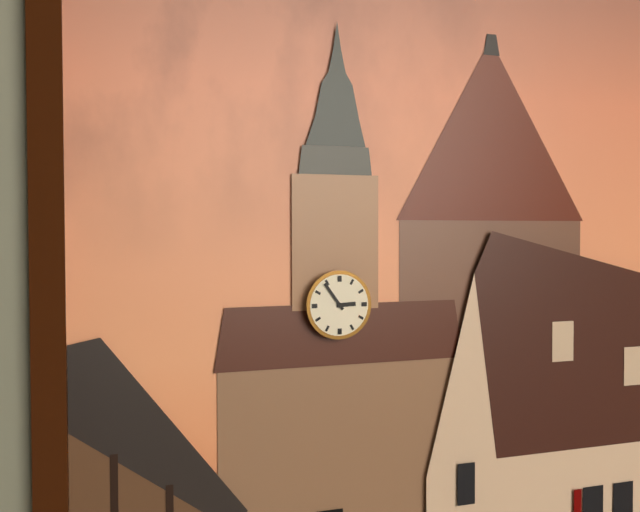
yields 2h54
